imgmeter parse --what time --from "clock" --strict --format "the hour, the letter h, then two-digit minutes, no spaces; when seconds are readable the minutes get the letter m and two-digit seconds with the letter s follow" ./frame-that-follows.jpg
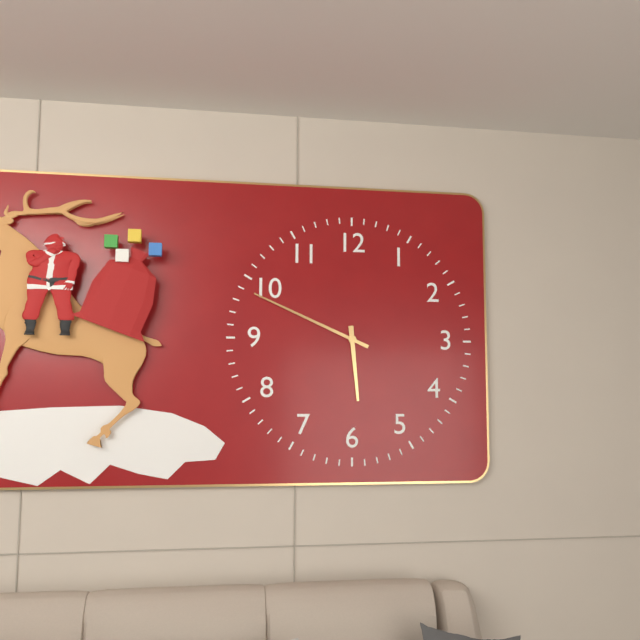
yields 5h49
